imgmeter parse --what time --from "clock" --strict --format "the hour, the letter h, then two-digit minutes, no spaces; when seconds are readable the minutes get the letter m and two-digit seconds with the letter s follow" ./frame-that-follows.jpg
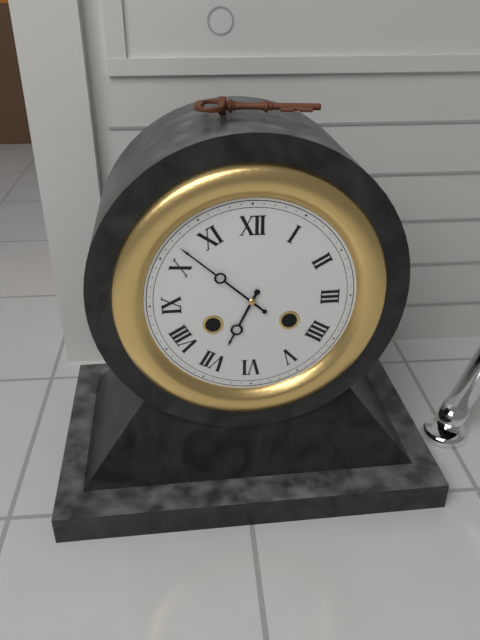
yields 6h52
